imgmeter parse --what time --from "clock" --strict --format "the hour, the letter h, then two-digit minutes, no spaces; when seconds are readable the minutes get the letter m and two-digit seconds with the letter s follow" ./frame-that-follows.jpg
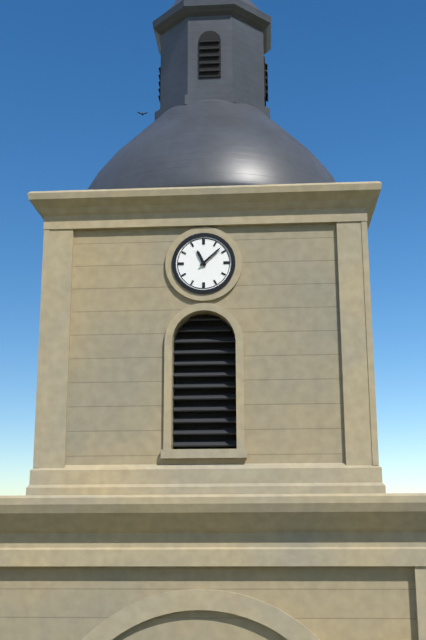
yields 11h08
